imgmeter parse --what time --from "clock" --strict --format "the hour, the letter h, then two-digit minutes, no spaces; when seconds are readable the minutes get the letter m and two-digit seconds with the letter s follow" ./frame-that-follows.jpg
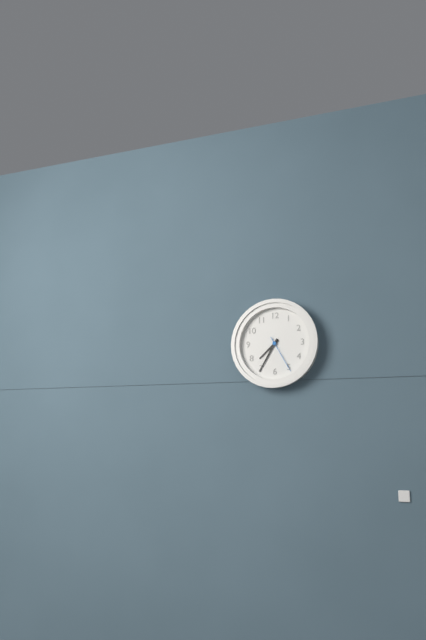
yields 7h35
